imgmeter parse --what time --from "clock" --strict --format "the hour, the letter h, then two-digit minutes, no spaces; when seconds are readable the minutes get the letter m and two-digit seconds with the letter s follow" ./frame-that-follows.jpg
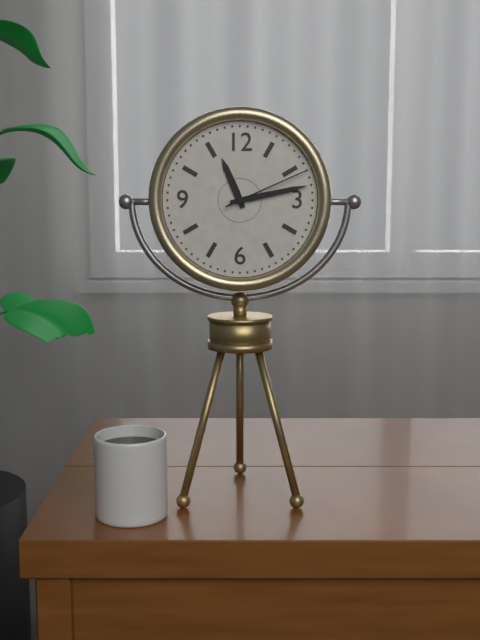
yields 11h13m11s
